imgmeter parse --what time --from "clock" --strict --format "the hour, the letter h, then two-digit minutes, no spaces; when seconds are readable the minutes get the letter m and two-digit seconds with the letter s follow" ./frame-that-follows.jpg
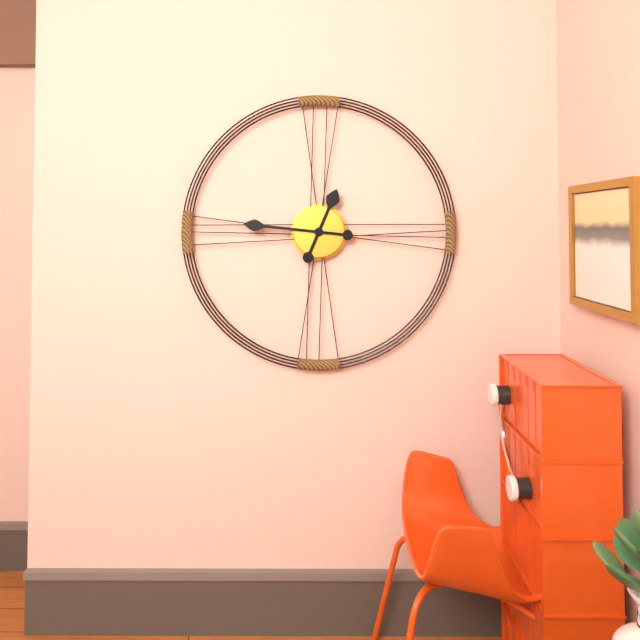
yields 12h46
